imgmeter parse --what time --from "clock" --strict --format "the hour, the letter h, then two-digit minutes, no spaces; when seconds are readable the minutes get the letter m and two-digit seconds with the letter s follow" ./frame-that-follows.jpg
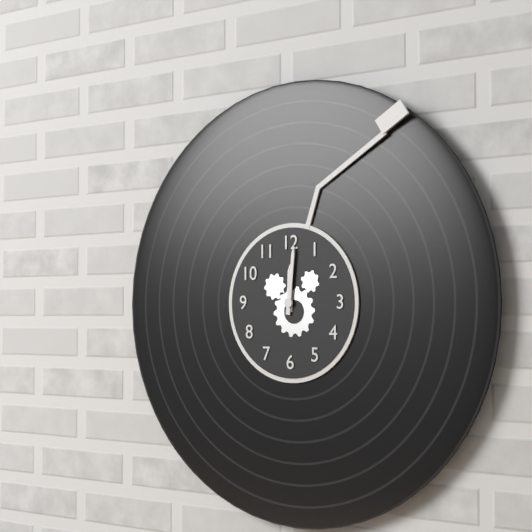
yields 12h01
